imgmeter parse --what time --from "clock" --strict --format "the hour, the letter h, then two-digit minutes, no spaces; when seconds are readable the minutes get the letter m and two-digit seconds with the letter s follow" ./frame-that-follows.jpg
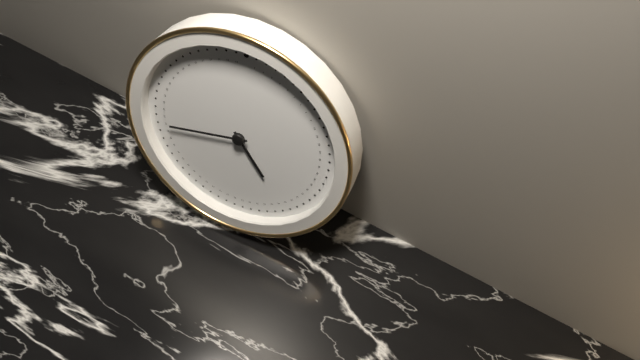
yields 4h43
